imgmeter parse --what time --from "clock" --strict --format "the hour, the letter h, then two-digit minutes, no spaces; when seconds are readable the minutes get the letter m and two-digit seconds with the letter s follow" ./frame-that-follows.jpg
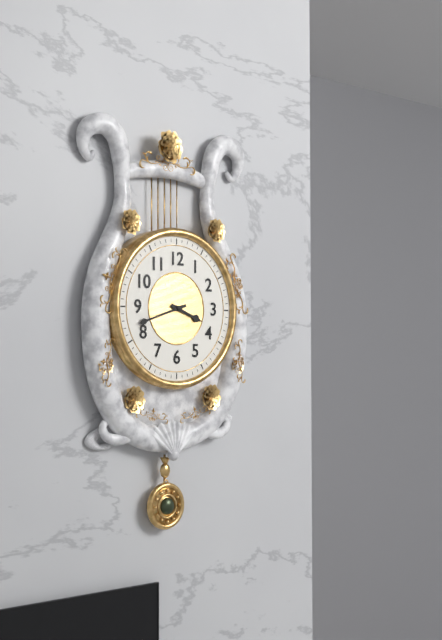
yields 3h42
